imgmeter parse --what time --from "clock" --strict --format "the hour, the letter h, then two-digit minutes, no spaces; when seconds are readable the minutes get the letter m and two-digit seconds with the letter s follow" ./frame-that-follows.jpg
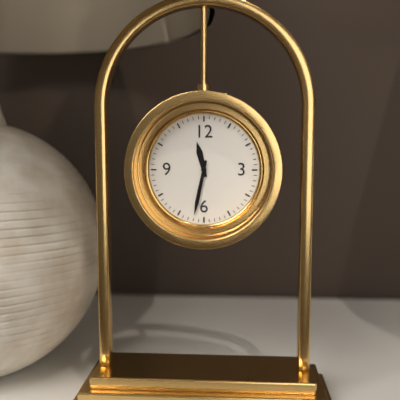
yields 11h32
